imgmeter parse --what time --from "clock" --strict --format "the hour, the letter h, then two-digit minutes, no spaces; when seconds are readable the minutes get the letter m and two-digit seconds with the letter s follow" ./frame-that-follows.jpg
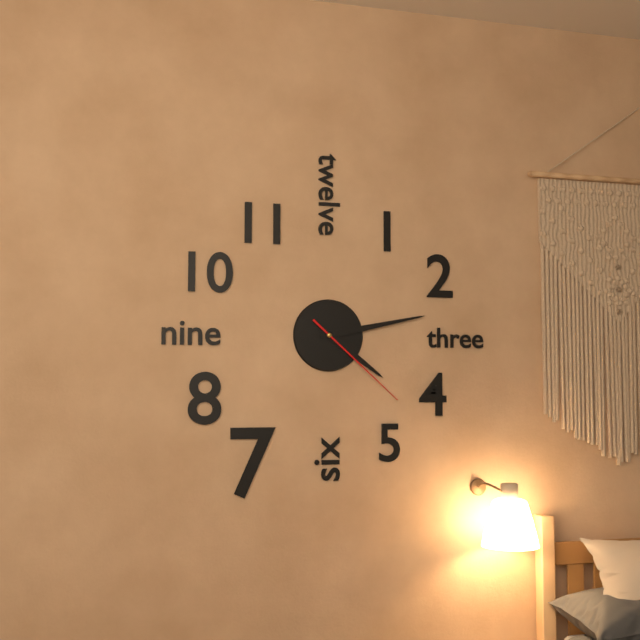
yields 4h13m22s
